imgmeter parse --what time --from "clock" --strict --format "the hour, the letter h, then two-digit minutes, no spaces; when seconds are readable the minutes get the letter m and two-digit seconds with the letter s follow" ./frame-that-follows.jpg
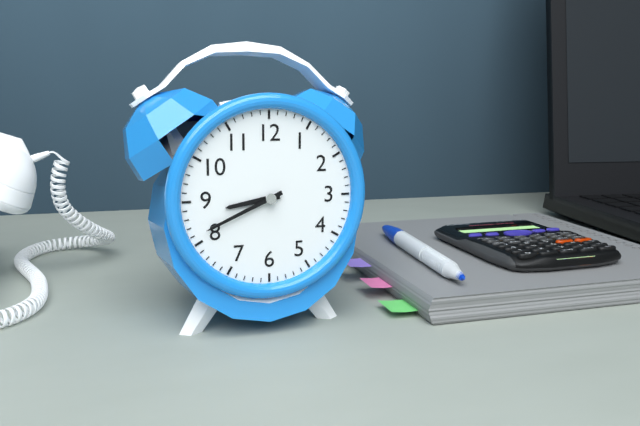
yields 8h41
